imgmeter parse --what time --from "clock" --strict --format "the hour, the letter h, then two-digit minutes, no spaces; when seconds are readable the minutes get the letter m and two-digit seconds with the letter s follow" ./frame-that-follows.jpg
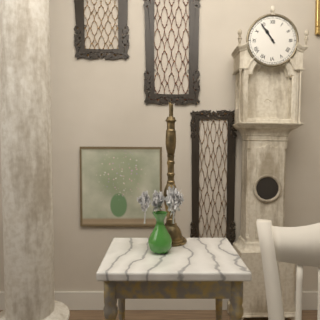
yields 10h54
